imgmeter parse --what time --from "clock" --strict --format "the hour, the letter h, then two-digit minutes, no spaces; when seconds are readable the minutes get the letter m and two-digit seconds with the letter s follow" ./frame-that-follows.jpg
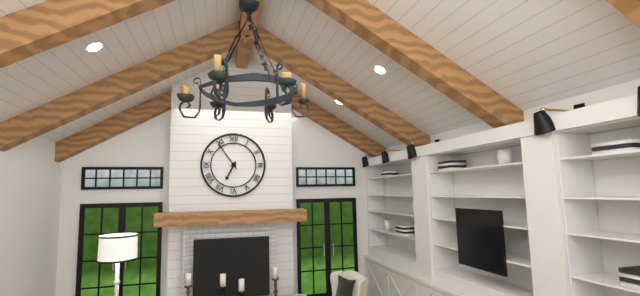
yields 6h54
